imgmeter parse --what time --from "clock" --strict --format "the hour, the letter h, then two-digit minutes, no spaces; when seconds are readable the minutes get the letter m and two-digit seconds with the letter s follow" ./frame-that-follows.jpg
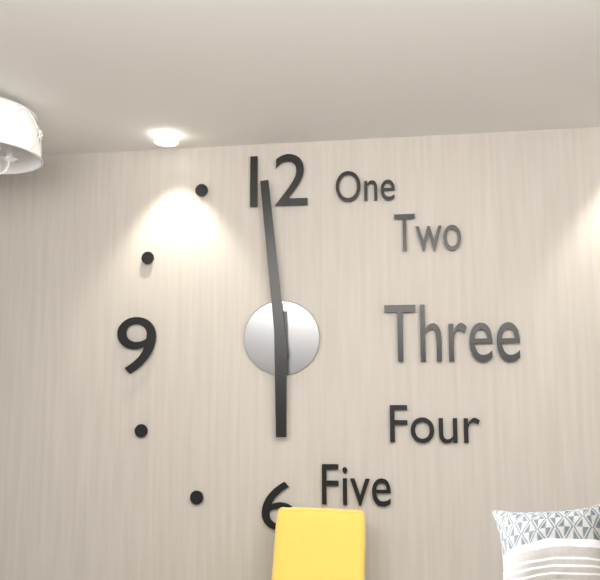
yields 5h59
